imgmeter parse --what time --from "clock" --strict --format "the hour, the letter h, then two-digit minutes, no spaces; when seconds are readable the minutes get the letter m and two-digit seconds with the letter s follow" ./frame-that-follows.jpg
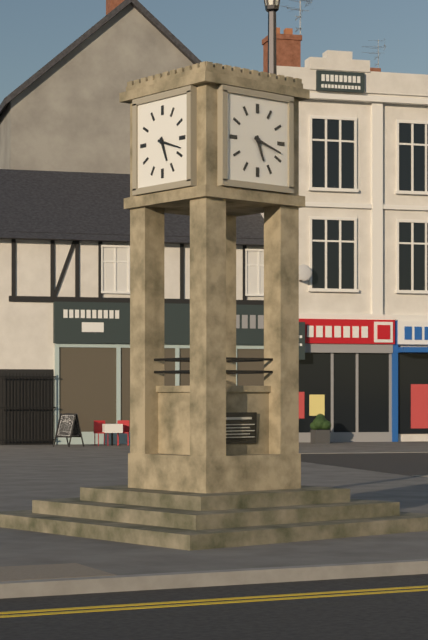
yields 5h18
